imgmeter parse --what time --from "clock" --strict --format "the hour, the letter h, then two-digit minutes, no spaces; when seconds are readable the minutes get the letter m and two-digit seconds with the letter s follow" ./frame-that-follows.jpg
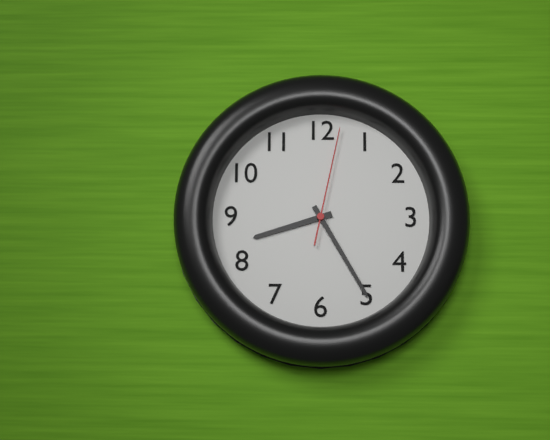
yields 8h25m02s
